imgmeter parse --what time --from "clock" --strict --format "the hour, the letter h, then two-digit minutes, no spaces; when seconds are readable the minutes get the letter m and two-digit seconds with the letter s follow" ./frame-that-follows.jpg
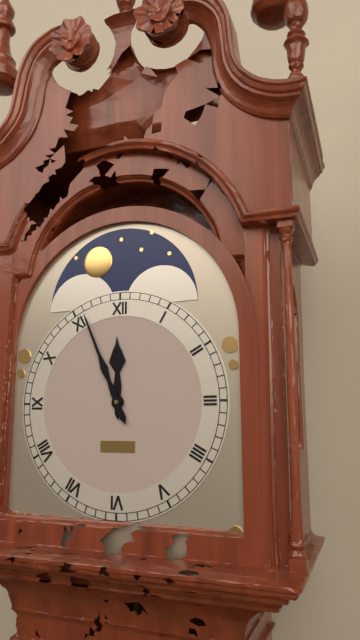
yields 11h56
